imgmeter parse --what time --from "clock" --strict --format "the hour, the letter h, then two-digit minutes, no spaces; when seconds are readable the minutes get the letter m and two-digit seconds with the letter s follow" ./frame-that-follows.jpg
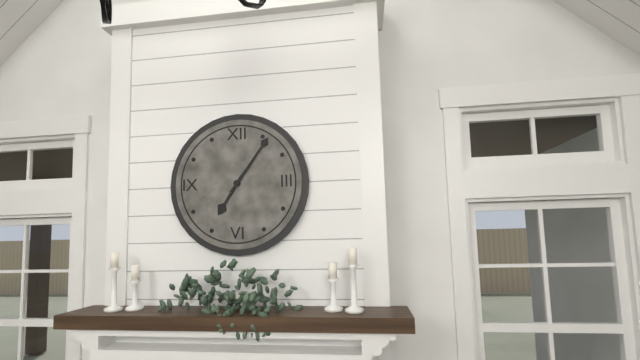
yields 7h06
